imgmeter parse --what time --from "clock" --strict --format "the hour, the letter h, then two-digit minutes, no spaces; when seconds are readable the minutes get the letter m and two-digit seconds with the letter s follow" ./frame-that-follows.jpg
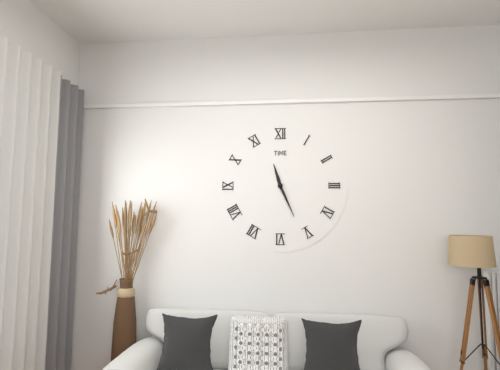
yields 11h26
